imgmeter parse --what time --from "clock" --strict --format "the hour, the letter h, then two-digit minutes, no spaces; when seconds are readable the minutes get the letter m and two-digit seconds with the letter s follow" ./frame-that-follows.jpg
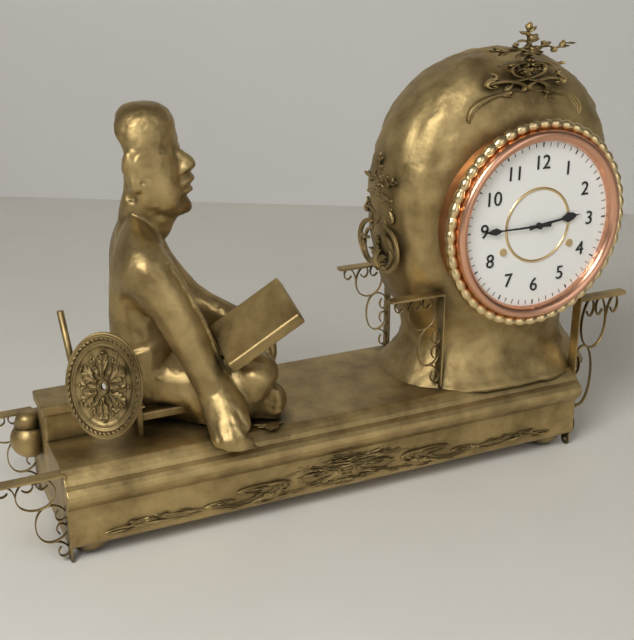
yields 2h45
